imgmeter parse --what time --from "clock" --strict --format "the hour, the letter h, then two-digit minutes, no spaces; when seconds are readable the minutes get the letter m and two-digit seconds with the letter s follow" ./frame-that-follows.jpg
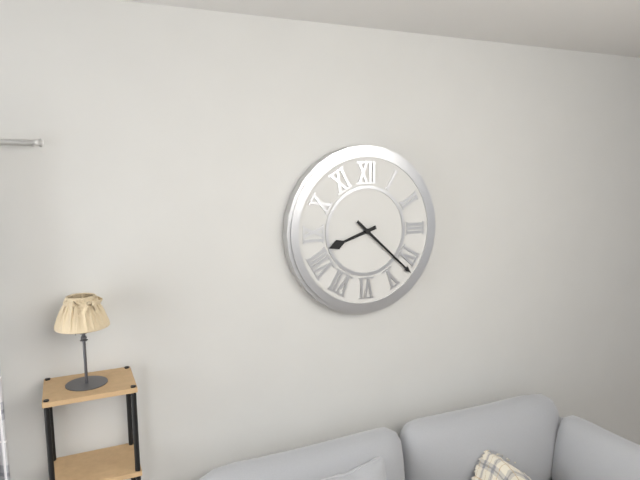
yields 8h22
